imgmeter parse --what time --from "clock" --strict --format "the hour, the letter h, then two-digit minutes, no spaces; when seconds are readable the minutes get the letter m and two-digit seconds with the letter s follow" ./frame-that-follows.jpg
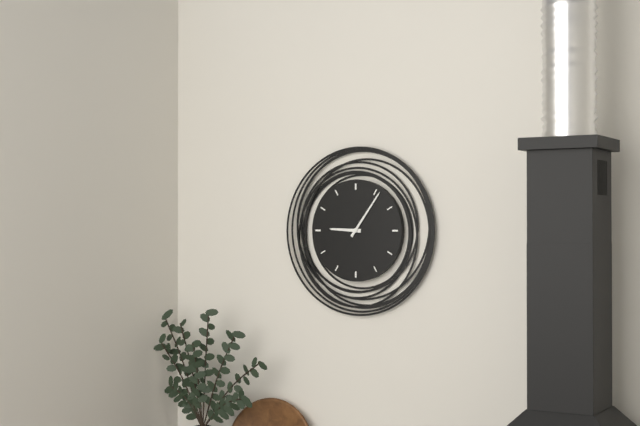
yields 9h06
